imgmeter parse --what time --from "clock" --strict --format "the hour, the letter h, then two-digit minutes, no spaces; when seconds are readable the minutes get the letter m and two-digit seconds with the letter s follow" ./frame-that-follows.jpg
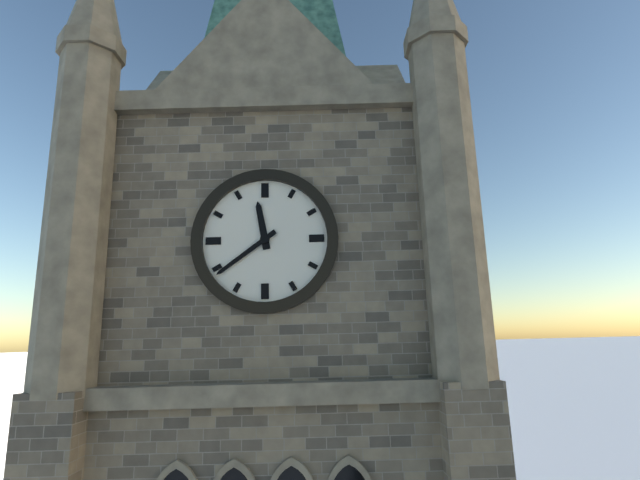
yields 11h39
